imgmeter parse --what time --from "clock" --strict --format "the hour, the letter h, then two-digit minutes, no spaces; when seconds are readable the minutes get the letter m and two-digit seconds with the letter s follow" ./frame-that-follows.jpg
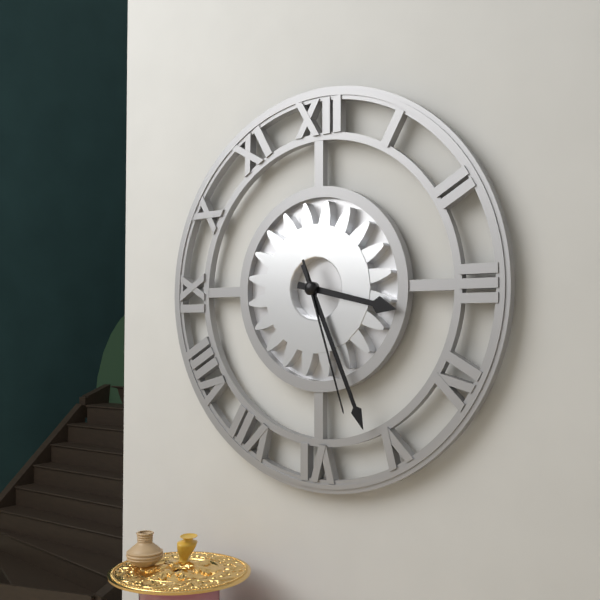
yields 3h26m27s
